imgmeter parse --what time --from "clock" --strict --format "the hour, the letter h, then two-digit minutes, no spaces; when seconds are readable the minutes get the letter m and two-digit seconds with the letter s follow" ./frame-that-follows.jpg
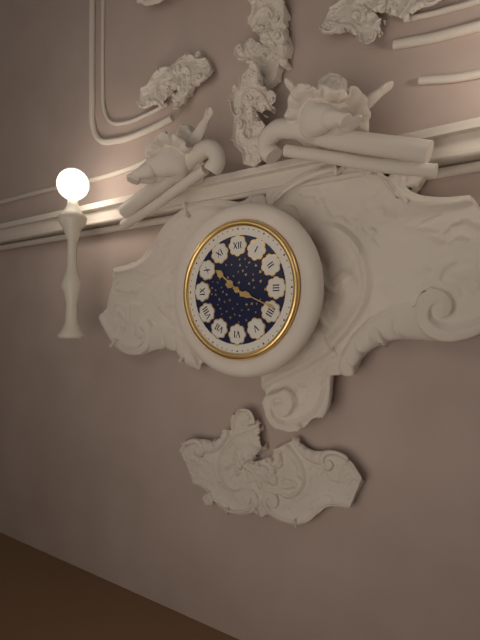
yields 10h19
